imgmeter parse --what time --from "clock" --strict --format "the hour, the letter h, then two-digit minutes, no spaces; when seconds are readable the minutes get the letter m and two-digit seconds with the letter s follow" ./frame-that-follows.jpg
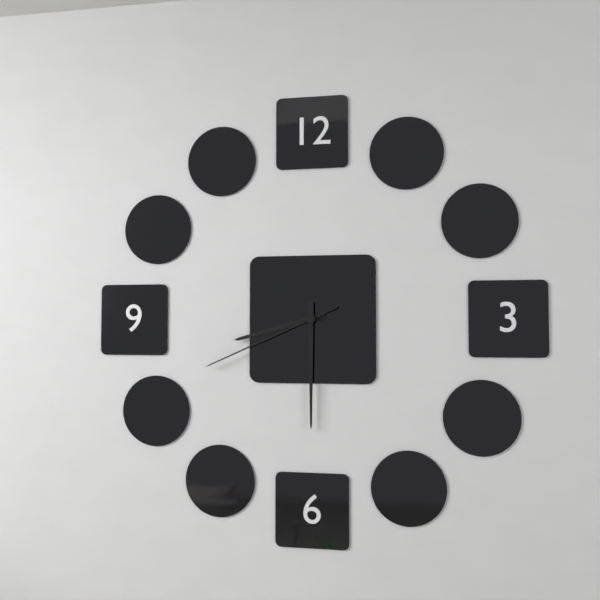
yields 8h30m41s
